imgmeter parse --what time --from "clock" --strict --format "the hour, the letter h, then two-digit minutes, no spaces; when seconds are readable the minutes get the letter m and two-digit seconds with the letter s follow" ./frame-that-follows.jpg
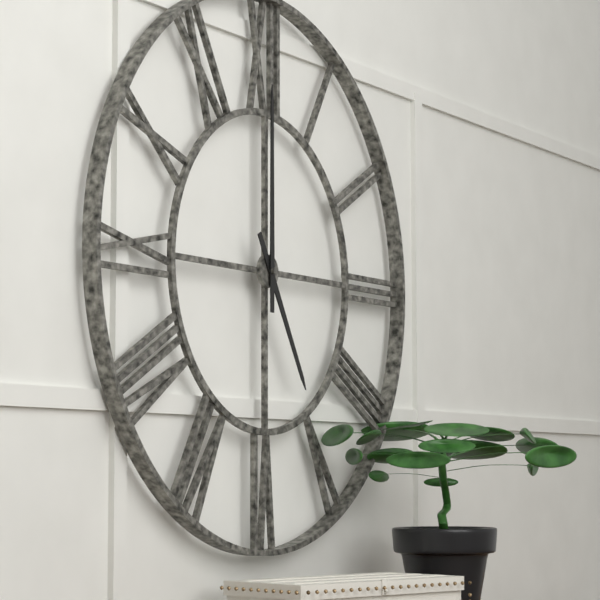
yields 5h00
